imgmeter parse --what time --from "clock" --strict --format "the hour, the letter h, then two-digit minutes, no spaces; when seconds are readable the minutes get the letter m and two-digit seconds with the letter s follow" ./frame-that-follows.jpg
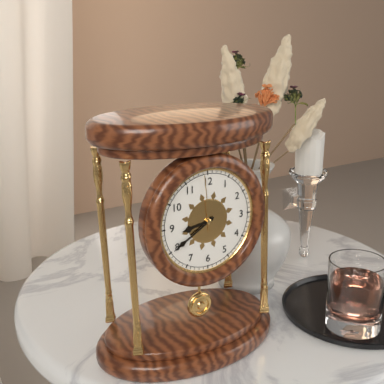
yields 8h40m59s
